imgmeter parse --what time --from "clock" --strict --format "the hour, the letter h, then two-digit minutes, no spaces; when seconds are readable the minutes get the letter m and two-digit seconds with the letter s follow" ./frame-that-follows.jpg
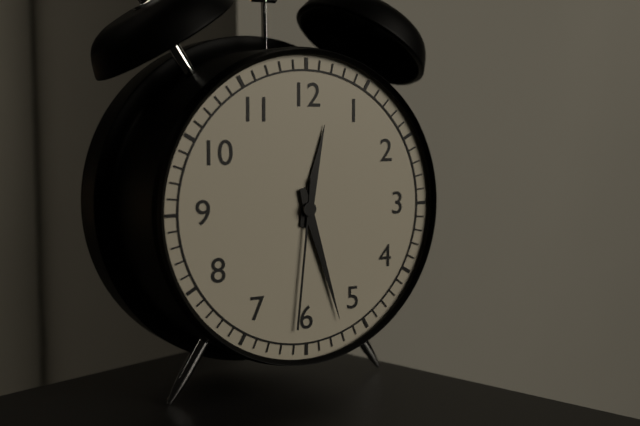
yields 12h27m31s
